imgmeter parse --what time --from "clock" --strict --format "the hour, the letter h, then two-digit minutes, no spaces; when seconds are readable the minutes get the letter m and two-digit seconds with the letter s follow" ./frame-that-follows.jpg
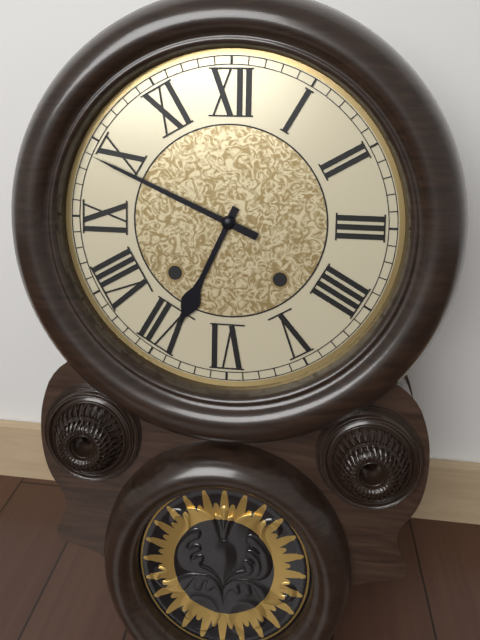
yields 6h49
